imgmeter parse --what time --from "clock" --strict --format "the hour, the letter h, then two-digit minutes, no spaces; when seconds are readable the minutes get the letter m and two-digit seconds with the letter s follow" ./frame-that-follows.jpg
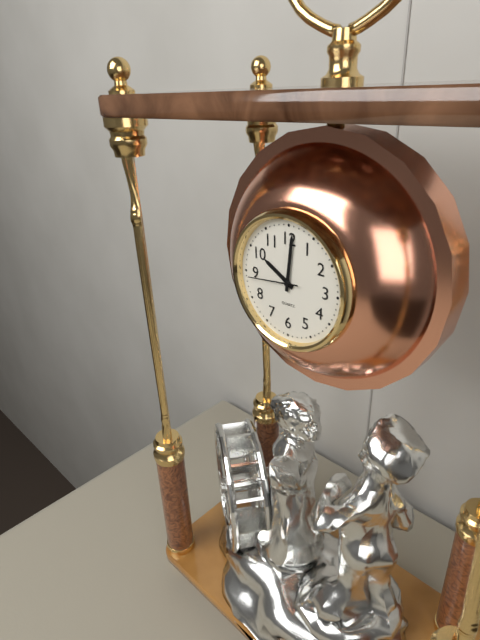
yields 10h01m44s
